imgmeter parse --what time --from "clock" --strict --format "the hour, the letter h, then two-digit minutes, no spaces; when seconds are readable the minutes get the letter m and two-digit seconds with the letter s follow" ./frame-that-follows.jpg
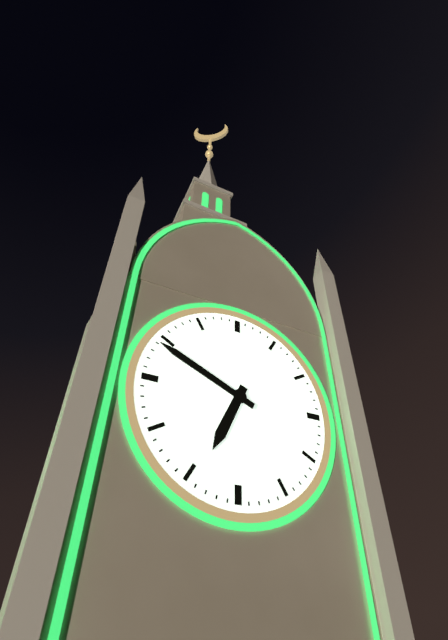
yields 6h49
